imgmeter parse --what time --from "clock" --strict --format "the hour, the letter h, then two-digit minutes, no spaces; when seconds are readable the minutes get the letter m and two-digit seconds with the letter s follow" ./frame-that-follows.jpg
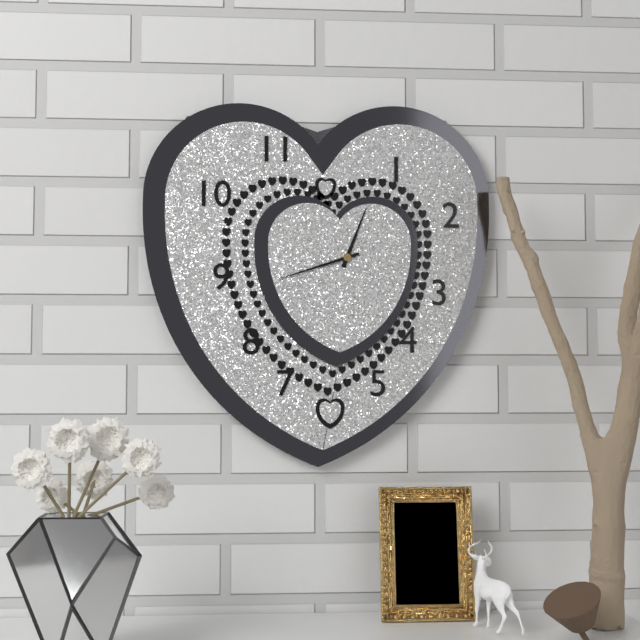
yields 12h42
